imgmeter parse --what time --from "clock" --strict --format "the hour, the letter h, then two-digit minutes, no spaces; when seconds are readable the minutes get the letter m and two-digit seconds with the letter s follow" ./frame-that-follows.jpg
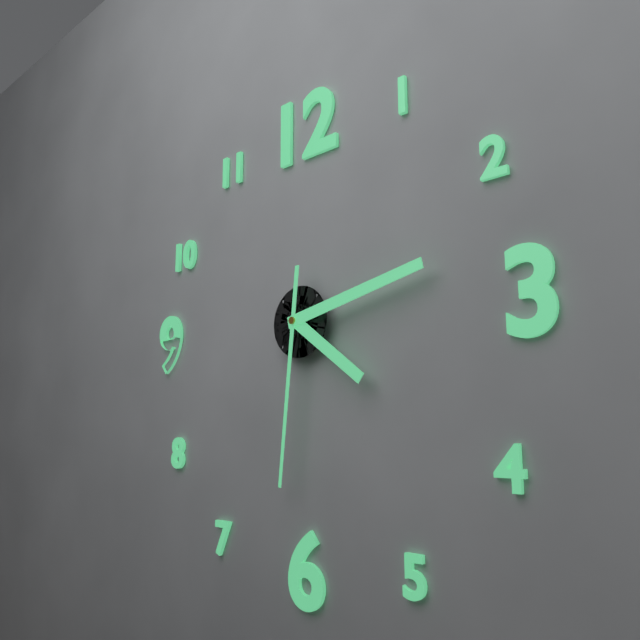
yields 4h13m31s
